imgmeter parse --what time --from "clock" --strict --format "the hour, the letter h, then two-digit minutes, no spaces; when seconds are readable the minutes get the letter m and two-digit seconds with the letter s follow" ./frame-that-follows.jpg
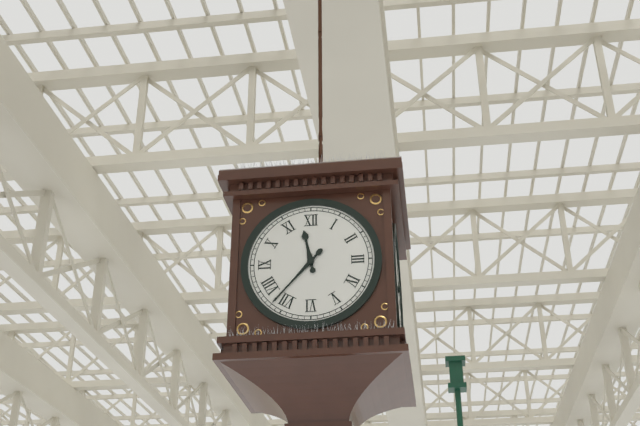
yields 11h37
